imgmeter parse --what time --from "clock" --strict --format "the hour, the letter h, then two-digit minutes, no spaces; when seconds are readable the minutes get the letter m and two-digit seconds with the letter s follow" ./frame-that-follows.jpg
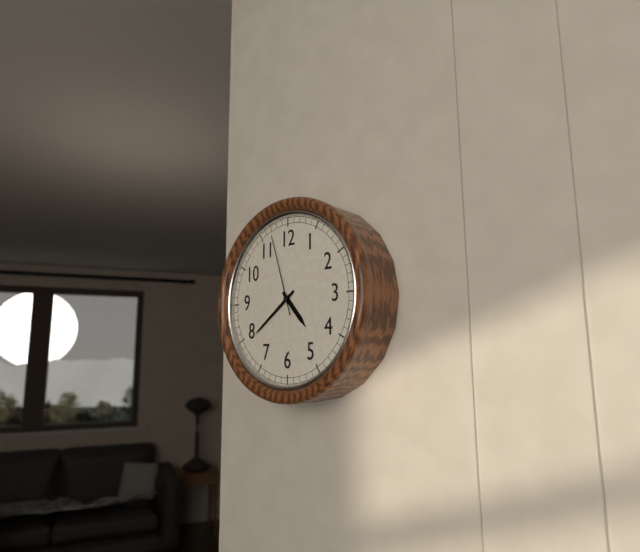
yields 4h39m57s
